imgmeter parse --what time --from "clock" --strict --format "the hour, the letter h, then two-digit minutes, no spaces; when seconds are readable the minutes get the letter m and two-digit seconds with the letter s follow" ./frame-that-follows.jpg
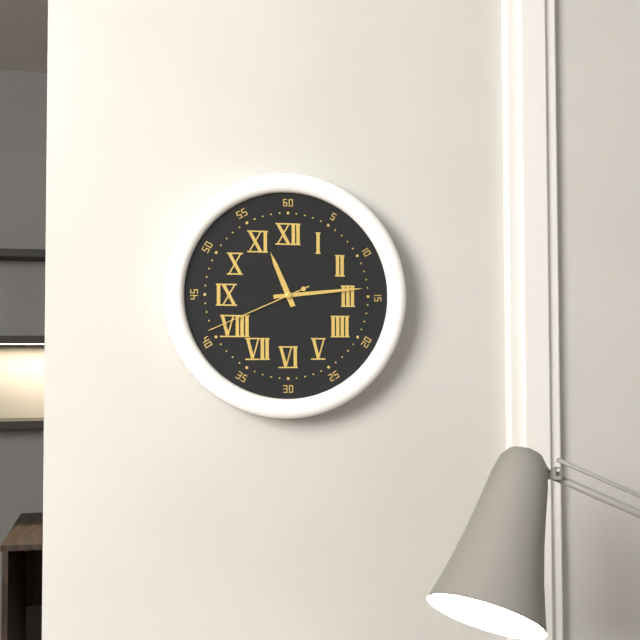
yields 11h14m41s
